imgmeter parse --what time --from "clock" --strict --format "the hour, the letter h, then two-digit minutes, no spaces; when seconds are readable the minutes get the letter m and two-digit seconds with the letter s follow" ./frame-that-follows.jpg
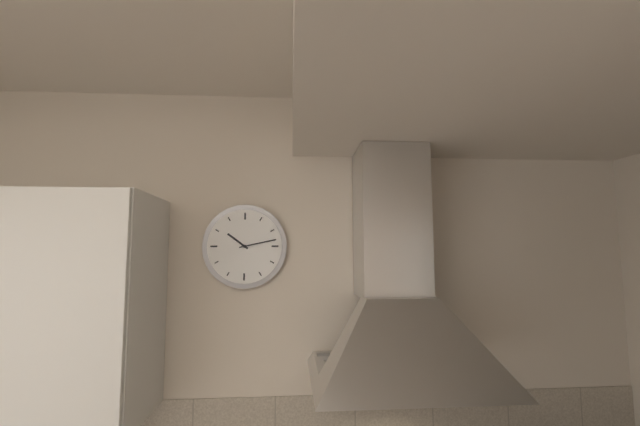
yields 10h13
